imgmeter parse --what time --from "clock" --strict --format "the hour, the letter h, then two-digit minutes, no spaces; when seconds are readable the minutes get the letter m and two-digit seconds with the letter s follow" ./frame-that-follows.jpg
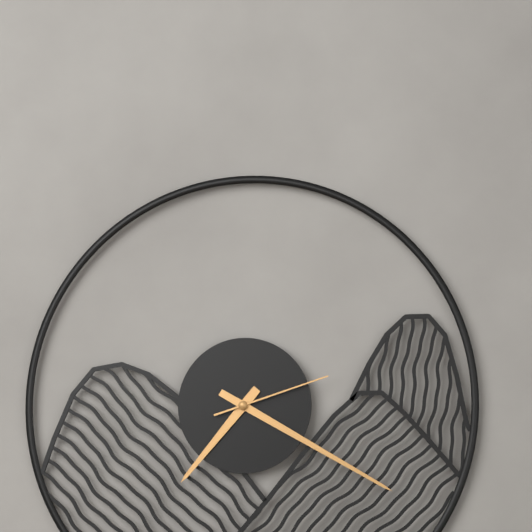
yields 7h20m12s
